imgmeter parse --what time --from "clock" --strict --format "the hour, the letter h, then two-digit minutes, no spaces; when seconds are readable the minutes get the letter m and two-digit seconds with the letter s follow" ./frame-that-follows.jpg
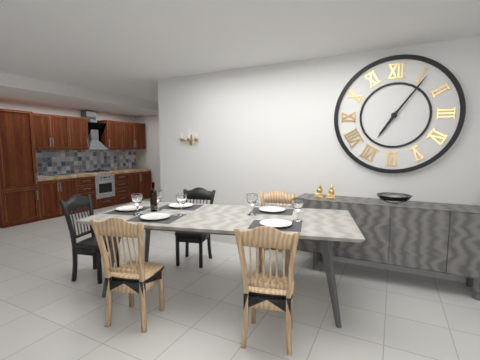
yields 7h06
